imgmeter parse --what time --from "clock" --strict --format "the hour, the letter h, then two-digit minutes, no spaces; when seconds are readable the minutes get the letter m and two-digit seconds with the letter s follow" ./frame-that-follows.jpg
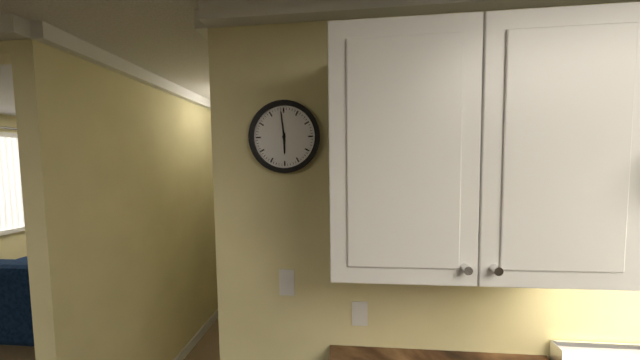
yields 5h59
